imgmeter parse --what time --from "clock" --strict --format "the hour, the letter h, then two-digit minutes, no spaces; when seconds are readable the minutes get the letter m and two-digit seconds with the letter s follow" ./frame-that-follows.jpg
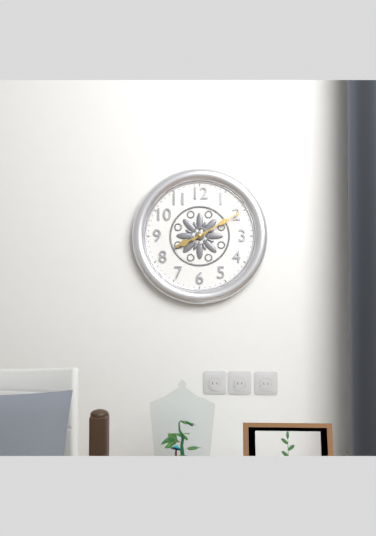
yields 8h10
